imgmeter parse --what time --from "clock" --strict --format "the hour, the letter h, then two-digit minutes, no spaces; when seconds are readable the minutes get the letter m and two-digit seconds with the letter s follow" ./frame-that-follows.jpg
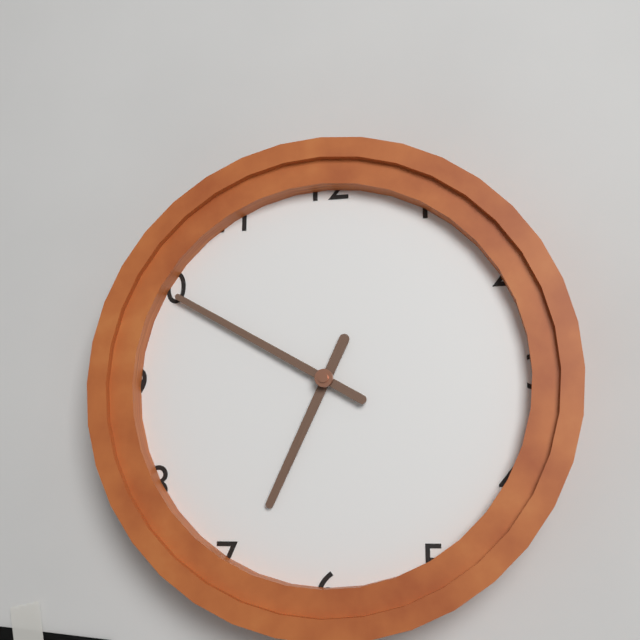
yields 6h50
